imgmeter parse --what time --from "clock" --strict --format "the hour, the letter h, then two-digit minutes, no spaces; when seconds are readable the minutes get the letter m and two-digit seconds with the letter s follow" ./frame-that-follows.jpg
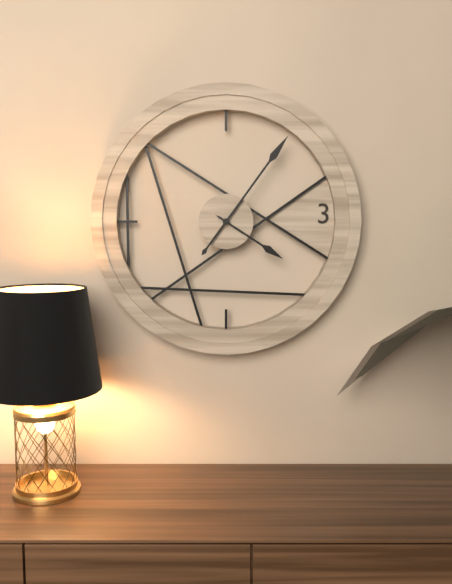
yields 4h06
